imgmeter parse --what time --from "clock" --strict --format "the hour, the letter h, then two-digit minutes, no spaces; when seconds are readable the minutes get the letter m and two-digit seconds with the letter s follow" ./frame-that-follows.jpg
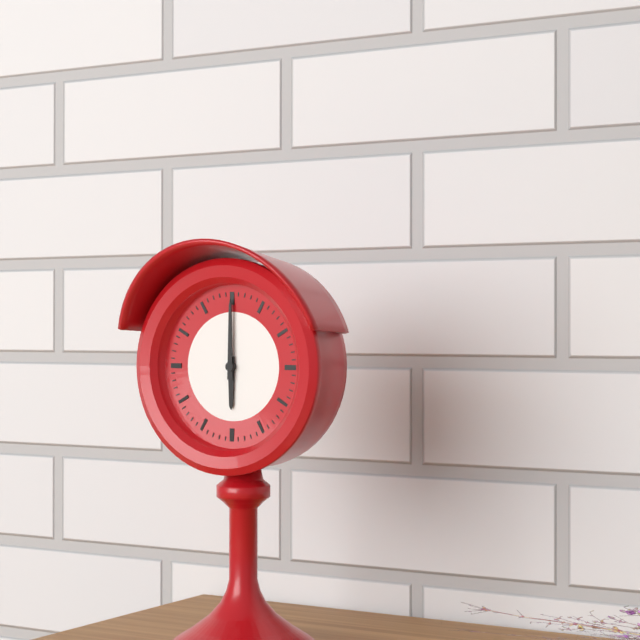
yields 6h00
